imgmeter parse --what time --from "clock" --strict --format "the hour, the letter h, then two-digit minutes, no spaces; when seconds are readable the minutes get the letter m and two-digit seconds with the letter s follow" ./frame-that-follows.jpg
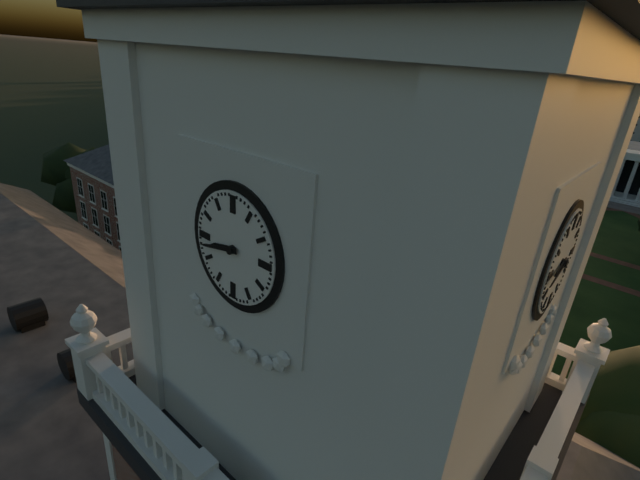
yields 8h43
